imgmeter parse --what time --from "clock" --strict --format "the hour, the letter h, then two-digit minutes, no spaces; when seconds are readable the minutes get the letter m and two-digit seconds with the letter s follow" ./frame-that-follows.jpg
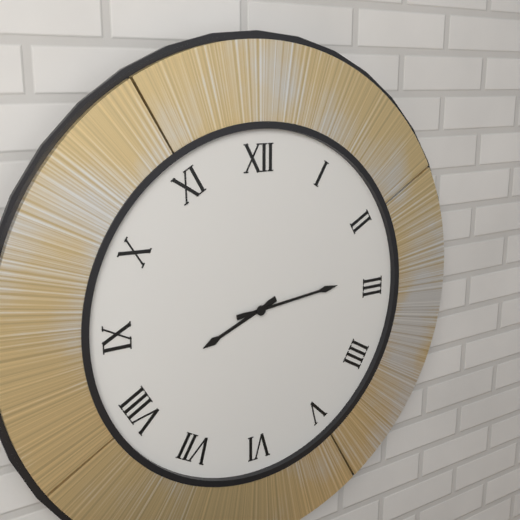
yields 8h14
